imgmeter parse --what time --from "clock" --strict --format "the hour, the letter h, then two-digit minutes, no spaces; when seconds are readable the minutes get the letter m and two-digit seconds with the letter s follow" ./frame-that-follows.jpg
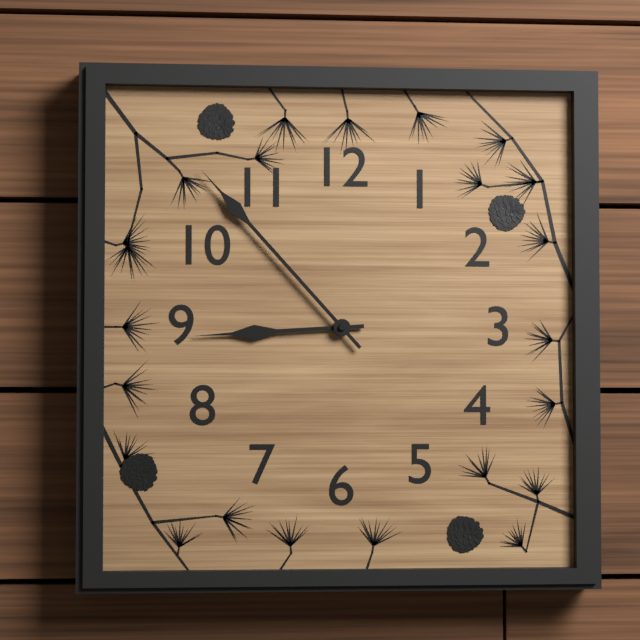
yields 8h53
